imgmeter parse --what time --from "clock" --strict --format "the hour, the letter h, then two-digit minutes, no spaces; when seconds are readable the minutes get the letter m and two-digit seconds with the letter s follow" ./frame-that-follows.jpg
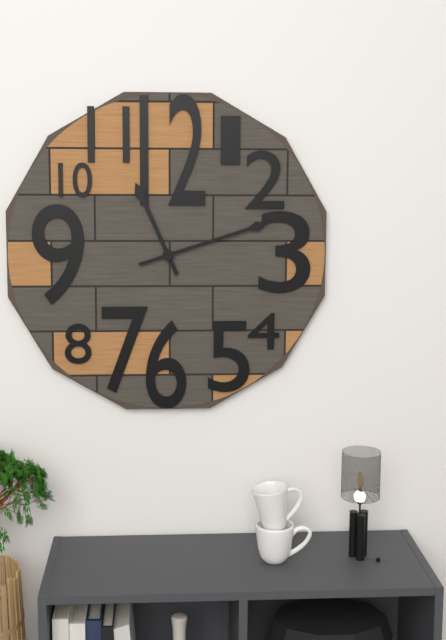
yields 11h12
